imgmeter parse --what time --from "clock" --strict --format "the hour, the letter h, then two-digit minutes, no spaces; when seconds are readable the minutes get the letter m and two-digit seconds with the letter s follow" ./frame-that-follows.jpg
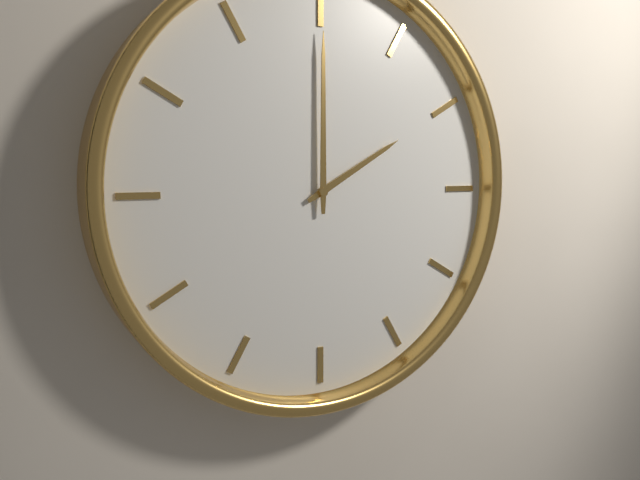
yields 2h00
